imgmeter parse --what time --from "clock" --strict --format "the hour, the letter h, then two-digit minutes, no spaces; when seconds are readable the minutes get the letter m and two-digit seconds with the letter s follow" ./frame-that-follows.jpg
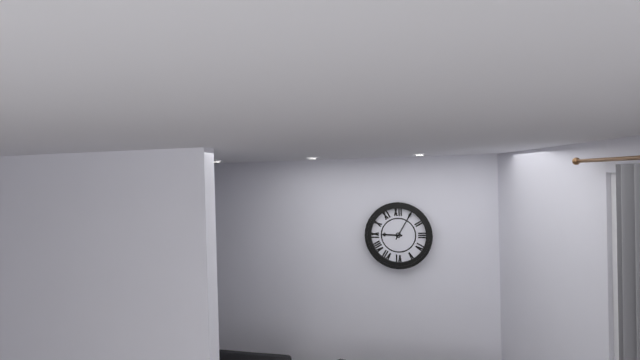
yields 9h05
